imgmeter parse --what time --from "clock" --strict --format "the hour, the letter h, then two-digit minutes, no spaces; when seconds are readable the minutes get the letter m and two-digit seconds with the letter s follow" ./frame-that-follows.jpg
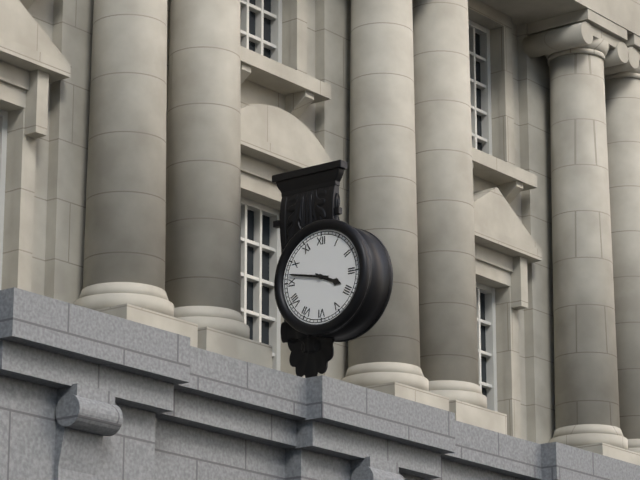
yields 3h47
